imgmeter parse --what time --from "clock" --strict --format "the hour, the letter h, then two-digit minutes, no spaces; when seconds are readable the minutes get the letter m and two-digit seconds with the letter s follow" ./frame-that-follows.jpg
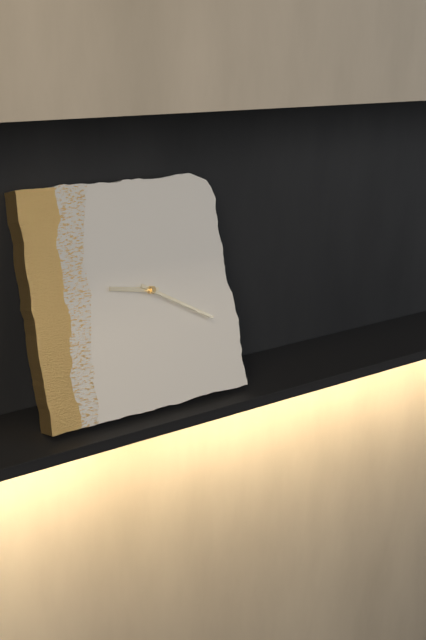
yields 9h20
